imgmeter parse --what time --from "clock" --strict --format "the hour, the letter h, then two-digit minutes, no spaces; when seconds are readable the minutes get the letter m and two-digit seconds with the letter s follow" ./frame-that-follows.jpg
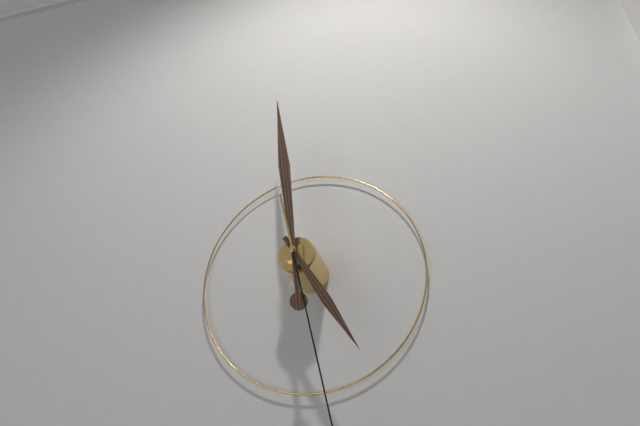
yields 4h59
